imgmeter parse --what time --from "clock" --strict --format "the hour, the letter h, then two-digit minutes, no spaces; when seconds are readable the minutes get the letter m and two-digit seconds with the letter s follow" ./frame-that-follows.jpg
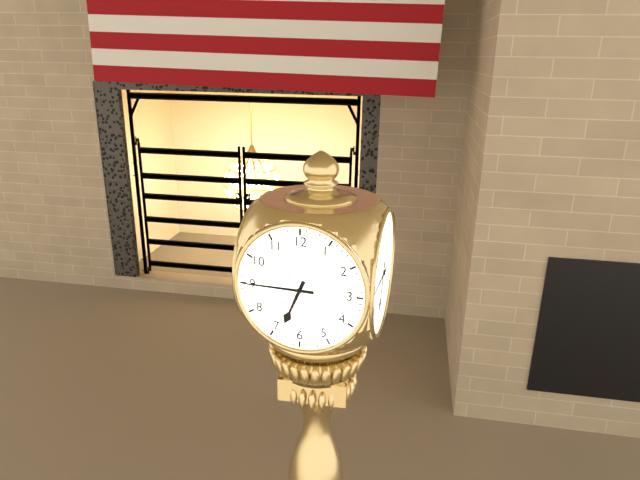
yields 6h45
